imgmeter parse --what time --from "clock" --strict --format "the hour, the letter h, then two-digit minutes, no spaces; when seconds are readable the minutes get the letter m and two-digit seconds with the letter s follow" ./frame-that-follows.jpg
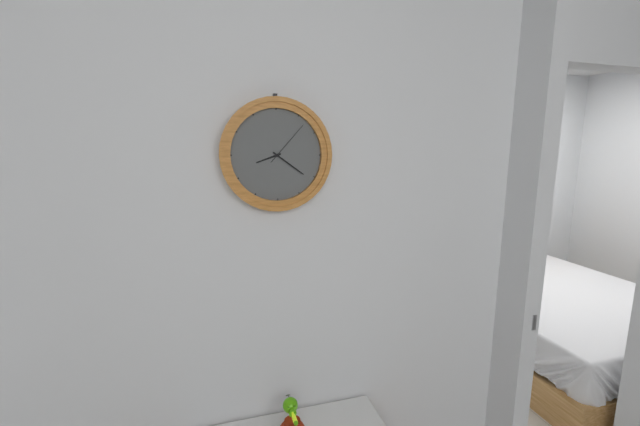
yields 8h21
